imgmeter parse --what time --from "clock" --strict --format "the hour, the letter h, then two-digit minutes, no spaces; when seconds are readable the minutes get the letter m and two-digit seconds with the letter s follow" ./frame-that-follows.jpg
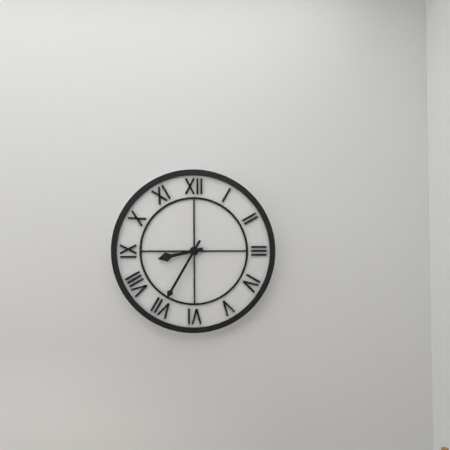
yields 8h35
